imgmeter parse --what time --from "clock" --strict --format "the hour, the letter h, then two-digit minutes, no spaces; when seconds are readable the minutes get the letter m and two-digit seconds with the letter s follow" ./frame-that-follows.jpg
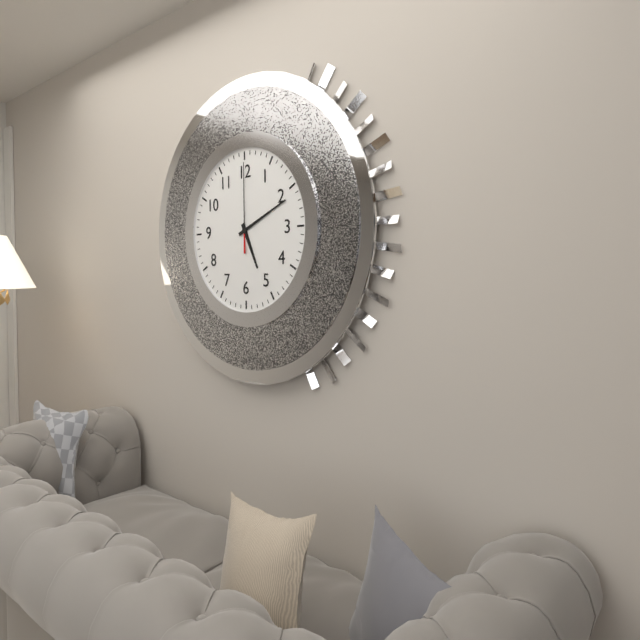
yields 5h11m00s
